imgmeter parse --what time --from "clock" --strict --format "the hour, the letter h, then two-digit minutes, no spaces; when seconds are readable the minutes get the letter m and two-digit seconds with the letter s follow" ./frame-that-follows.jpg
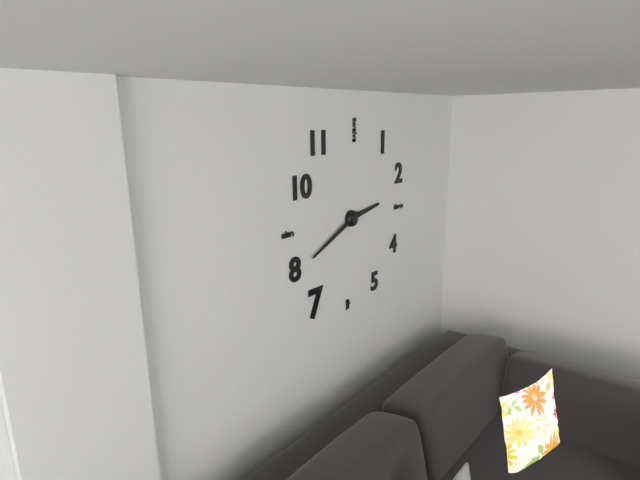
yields 2h41
